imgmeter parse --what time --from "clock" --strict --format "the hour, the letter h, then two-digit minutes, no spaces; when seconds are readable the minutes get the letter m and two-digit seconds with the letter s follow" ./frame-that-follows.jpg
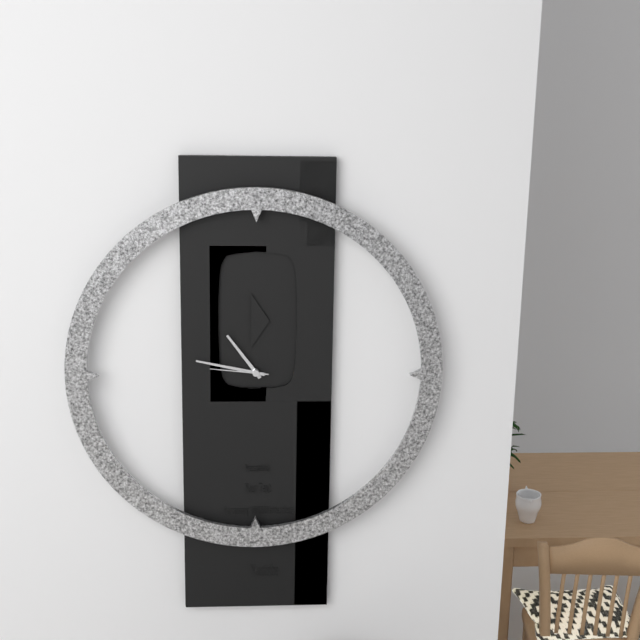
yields 10h47m46s
